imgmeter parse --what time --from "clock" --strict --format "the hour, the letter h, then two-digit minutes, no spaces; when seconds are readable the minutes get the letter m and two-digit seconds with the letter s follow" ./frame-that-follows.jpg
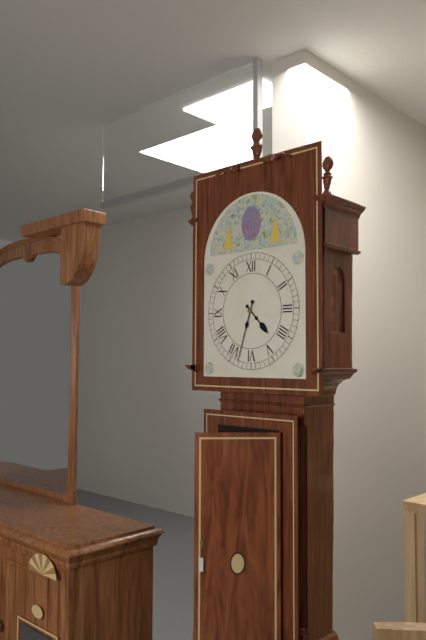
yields 4h33
